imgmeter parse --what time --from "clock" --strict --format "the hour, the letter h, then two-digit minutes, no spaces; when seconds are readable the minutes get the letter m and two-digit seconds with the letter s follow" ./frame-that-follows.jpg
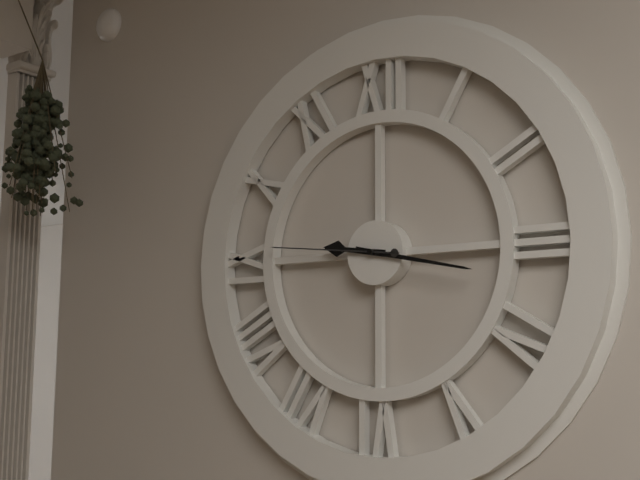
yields 9h17m46s
